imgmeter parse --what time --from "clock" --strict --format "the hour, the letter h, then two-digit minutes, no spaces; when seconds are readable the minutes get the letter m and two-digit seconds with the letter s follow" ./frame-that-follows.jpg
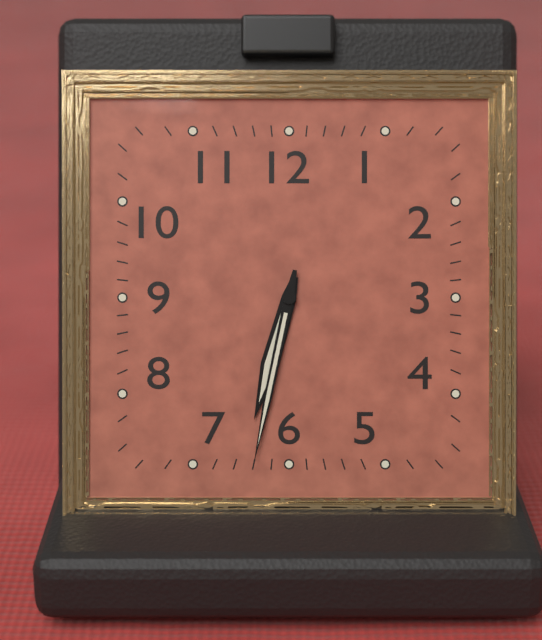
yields 6h32
